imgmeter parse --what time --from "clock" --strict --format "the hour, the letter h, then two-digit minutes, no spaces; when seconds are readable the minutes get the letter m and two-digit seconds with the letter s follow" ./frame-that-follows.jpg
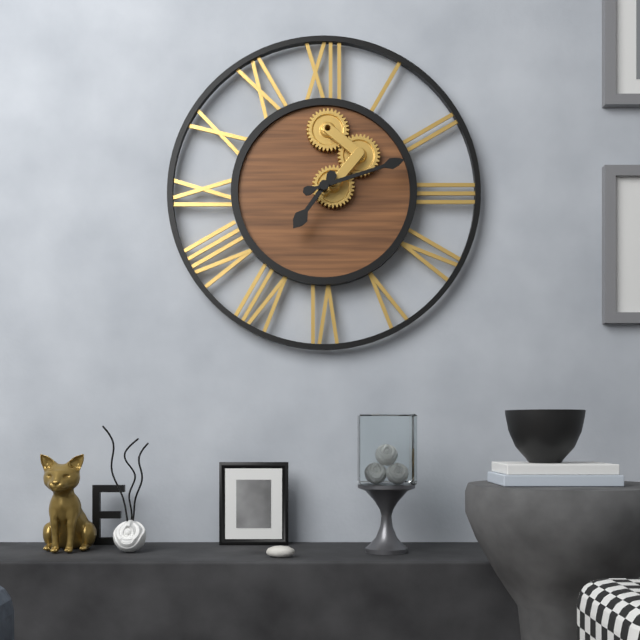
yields 7h12
